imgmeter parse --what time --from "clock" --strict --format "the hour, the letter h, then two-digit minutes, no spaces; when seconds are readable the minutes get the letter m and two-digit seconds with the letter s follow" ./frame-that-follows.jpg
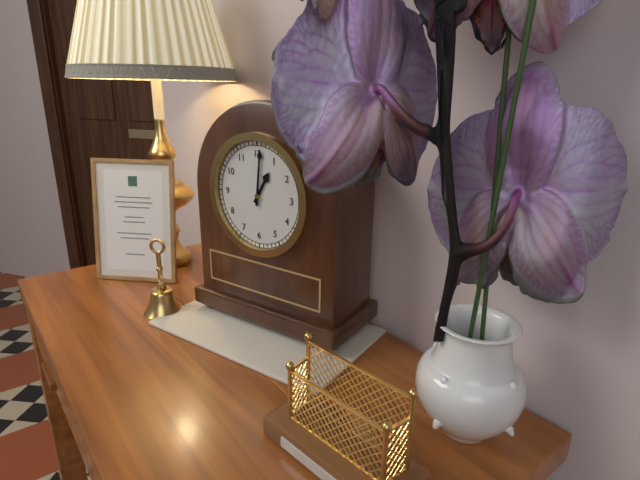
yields 1h01
